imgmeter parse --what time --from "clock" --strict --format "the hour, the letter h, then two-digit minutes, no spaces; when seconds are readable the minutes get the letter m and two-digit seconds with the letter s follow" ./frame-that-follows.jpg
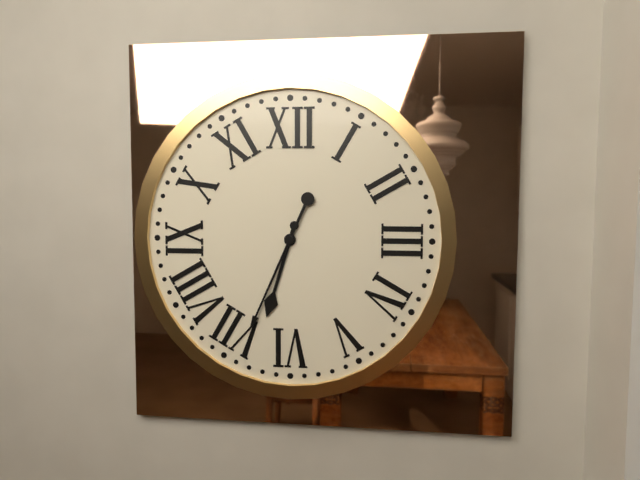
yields 6h34
